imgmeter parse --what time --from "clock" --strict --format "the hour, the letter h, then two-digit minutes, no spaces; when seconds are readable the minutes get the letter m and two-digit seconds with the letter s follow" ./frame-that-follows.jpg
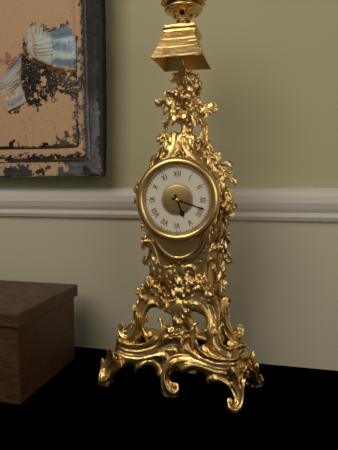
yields 5h18
